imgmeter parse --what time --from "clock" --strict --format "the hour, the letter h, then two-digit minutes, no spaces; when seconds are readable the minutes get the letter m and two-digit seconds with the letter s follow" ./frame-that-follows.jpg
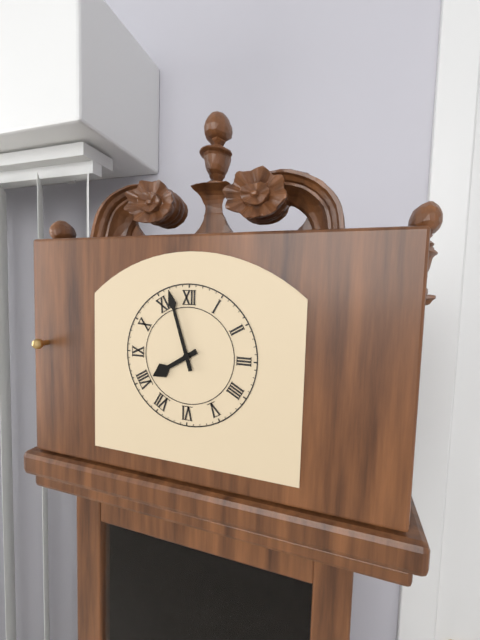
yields 7h57
